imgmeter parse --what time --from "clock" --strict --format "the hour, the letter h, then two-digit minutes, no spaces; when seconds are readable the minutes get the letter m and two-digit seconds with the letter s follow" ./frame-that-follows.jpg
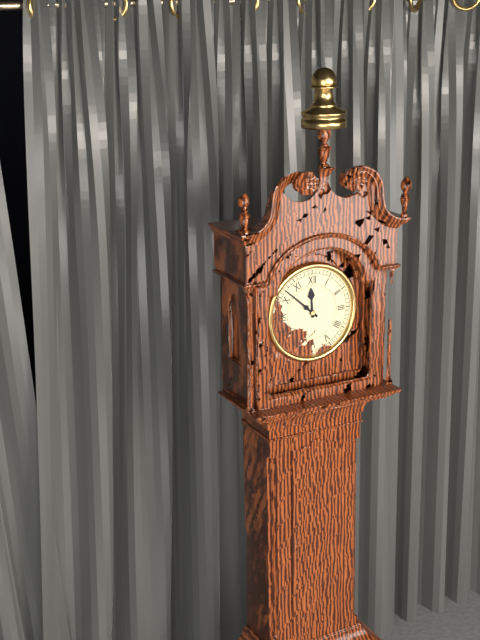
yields 11h52
